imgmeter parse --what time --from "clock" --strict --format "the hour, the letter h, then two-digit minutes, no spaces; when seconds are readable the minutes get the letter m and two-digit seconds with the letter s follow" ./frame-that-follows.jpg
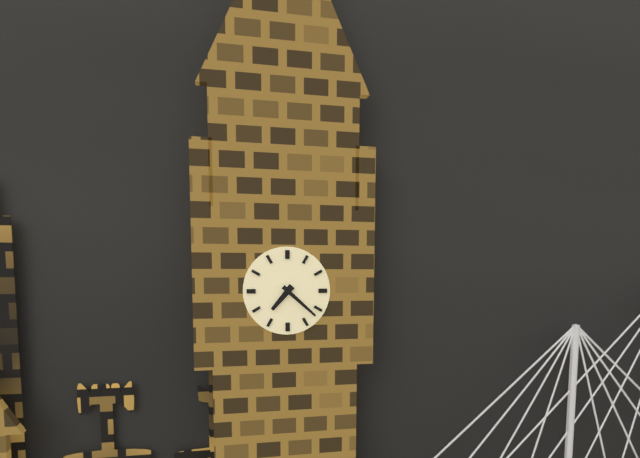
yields 7h22
